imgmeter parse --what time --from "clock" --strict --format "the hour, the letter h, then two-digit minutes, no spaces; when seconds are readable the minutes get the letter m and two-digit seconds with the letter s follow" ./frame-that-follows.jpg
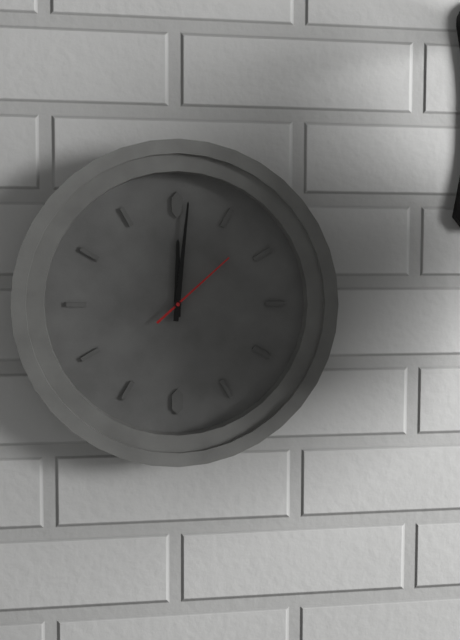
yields 12h01m08s
